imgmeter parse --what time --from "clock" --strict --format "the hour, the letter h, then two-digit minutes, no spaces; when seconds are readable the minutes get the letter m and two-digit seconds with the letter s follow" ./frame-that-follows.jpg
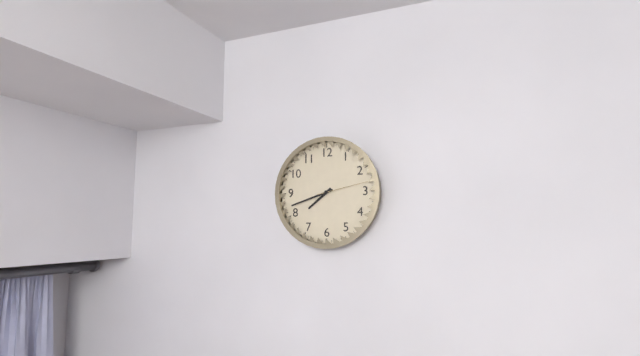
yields 7h42m13s
